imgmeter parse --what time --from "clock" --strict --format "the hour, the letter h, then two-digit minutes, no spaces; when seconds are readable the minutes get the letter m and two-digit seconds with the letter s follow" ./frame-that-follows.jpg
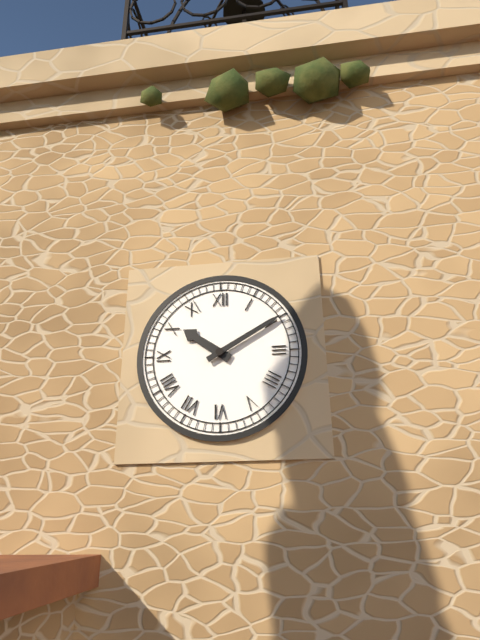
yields 10h10
